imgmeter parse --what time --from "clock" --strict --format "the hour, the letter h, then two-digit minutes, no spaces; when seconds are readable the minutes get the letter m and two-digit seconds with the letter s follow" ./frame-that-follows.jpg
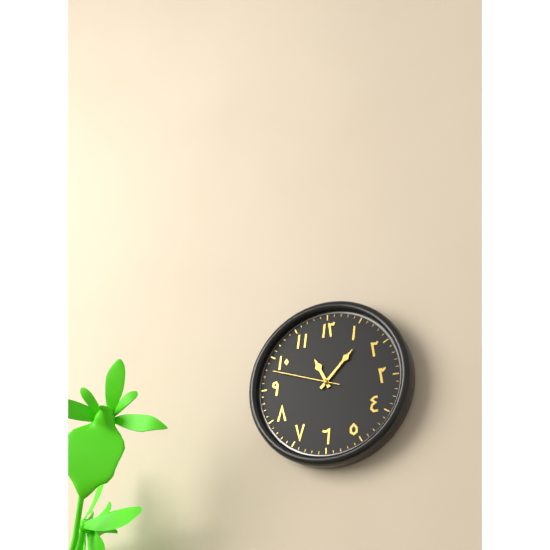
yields 11h07m48s
